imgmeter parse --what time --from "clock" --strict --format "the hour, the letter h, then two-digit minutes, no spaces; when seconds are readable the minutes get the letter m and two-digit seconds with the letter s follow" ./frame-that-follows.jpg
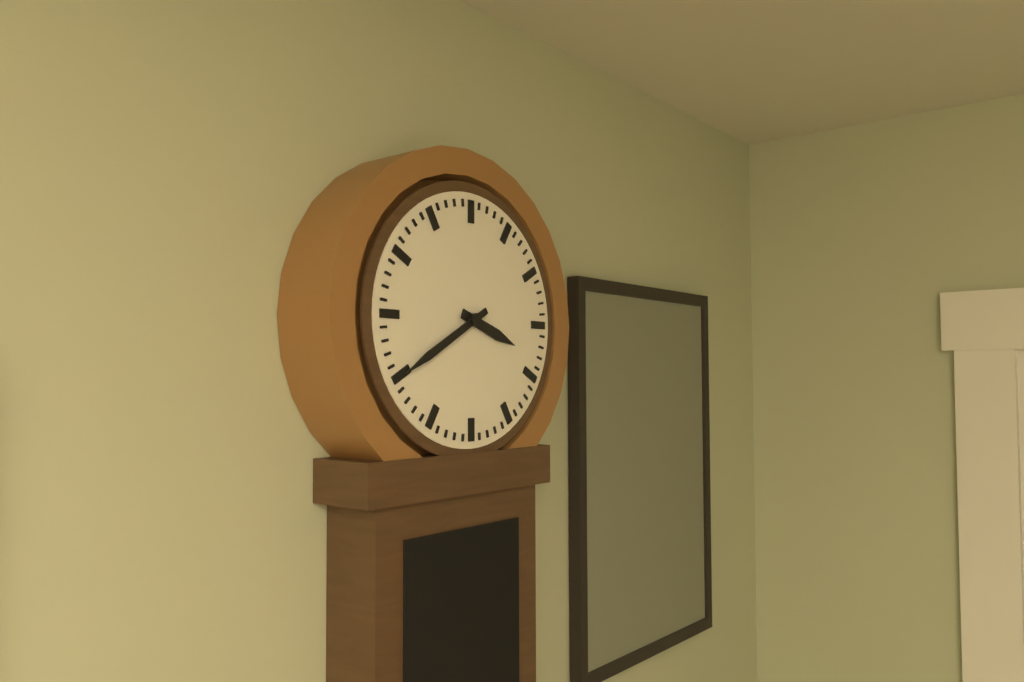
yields 3h40
